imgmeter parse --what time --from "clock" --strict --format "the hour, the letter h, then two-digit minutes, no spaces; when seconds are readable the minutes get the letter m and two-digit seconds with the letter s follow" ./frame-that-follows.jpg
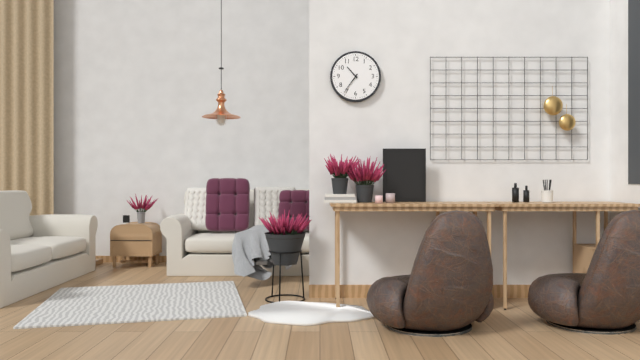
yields 10h36
